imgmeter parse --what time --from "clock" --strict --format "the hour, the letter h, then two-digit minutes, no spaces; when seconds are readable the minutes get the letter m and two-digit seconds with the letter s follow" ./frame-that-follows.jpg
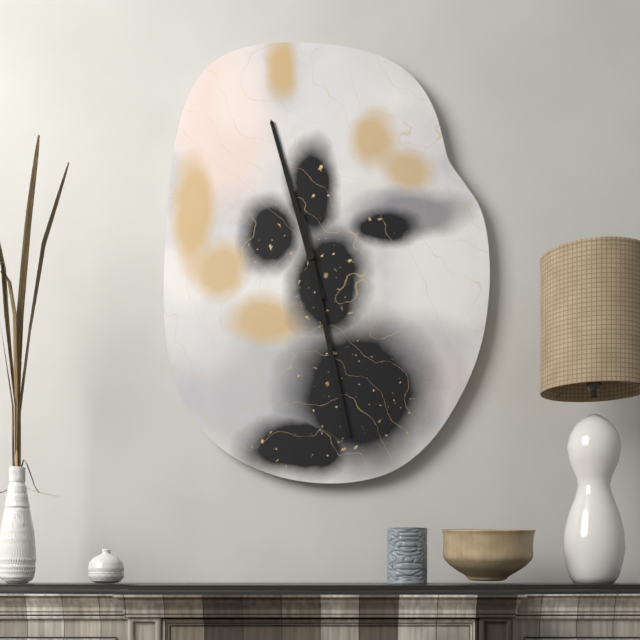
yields 11h28
